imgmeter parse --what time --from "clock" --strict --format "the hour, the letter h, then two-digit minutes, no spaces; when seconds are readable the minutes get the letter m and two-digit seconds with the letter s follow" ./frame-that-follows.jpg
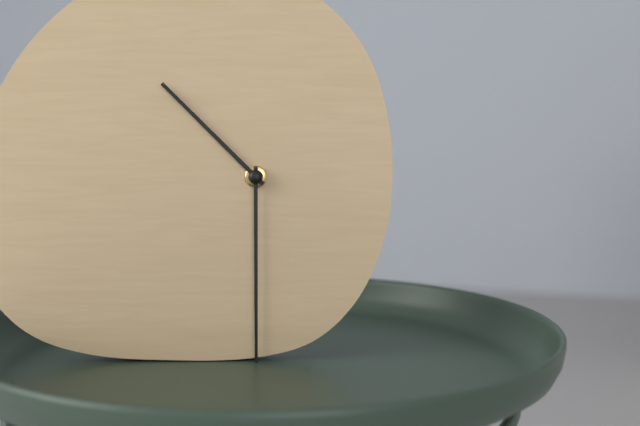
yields 10h30
